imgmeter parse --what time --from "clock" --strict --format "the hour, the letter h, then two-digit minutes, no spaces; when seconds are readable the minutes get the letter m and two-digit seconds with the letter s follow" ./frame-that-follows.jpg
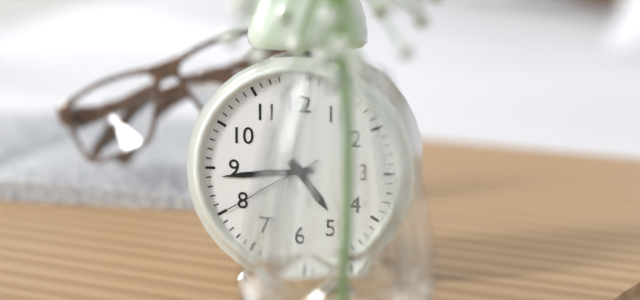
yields 4h44m40s
